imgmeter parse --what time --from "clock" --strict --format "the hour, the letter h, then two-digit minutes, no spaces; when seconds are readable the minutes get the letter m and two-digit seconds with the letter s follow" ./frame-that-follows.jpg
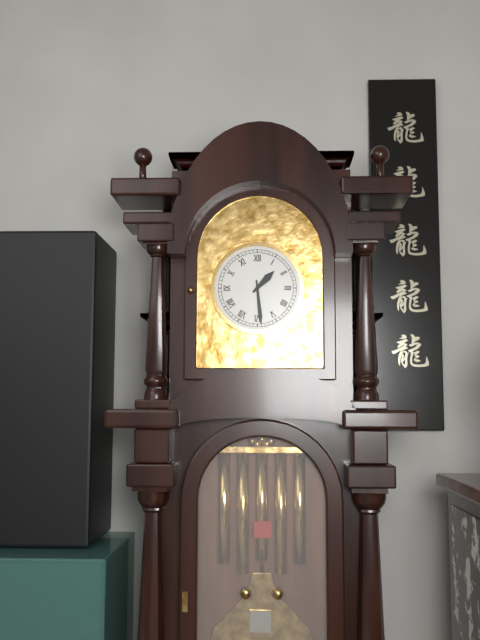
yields 1h29
